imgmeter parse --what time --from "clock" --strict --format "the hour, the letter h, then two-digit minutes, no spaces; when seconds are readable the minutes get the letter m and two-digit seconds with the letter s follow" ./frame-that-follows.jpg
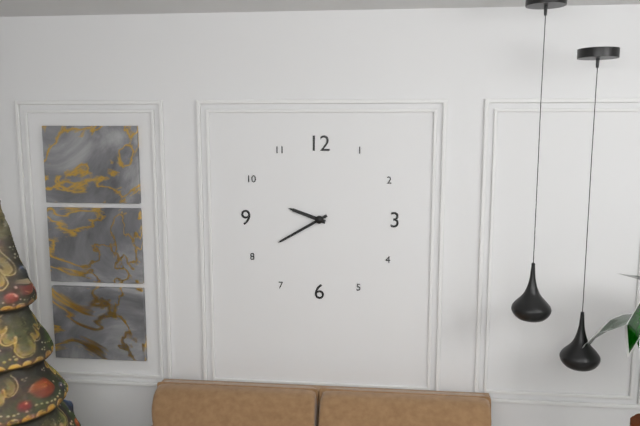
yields 9h40
